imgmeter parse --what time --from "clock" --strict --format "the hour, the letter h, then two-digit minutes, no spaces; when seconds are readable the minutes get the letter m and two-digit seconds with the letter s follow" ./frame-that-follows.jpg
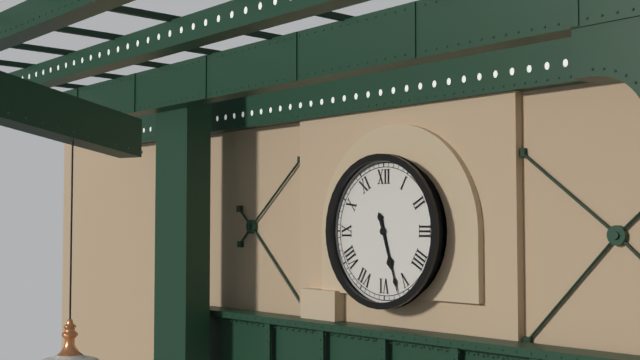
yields 5h27
